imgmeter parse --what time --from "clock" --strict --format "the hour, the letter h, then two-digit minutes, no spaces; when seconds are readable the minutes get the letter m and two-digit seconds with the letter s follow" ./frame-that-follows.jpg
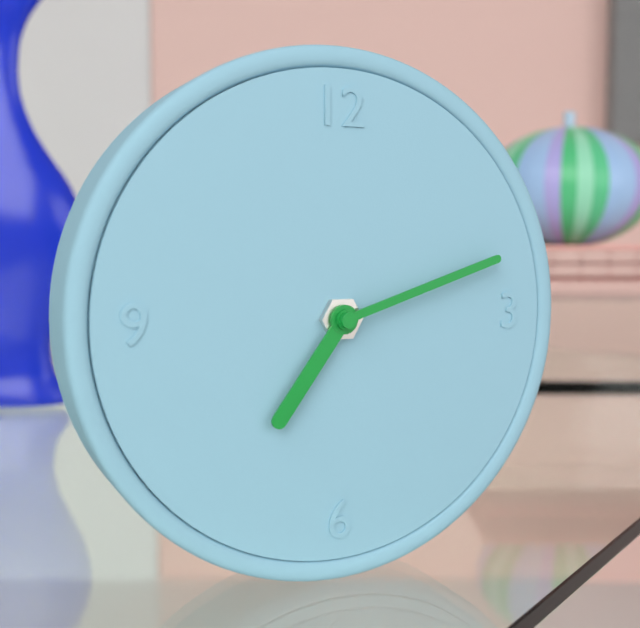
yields 7h12
